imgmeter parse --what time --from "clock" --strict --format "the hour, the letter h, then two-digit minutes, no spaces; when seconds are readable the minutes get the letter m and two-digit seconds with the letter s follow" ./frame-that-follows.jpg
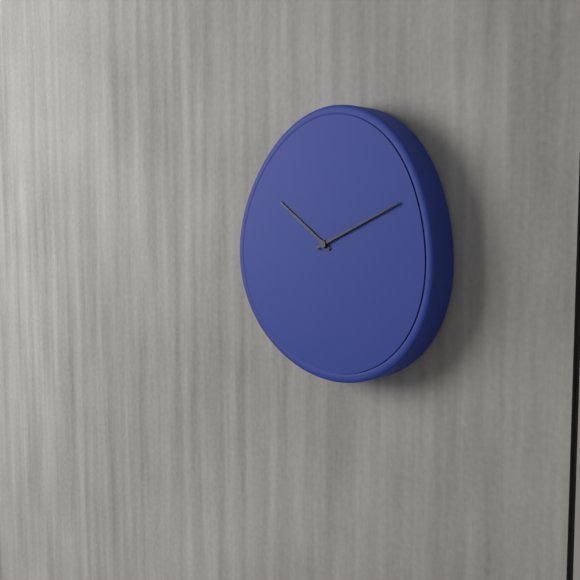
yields 10h11
